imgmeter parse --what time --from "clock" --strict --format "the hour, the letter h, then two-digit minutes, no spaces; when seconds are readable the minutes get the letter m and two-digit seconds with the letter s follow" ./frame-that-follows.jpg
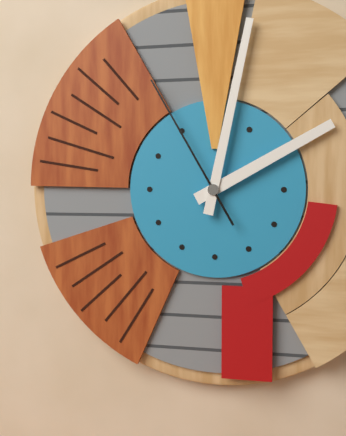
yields 2h02m55s
